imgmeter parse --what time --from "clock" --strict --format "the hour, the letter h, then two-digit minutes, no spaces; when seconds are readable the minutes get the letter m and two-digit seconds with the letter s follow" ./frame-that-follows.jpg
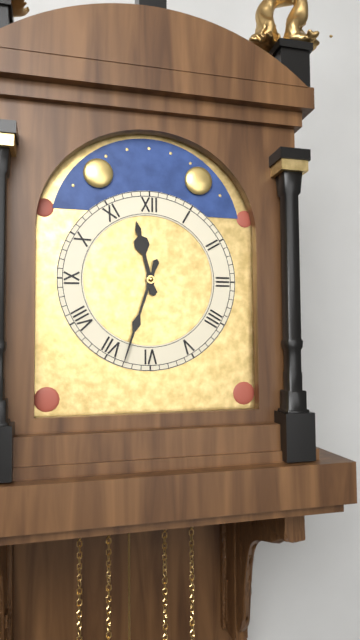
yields 11h33
